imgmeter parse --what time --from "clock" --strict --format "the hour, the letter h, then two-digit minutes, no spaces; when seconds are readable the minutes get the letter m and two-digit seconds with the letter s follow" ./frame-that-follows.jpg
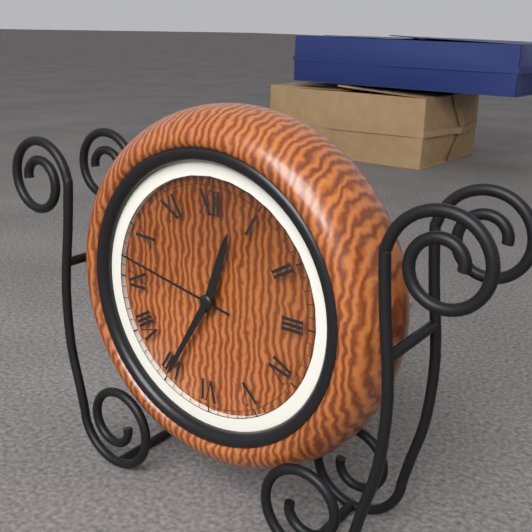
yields 12h35m47s
